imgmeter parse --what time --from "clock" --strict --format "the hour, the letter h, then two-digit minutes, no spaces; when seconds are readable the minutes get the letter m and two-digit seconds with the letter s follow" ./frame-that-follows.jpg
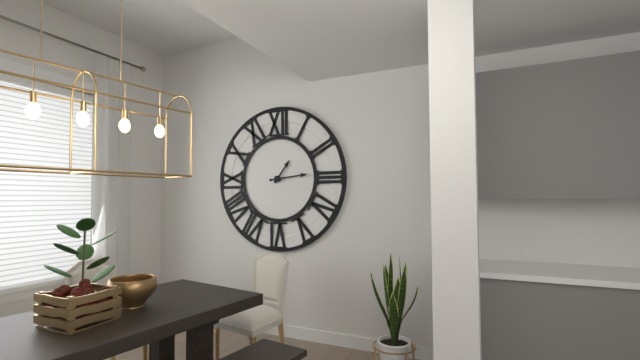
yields 1h14
